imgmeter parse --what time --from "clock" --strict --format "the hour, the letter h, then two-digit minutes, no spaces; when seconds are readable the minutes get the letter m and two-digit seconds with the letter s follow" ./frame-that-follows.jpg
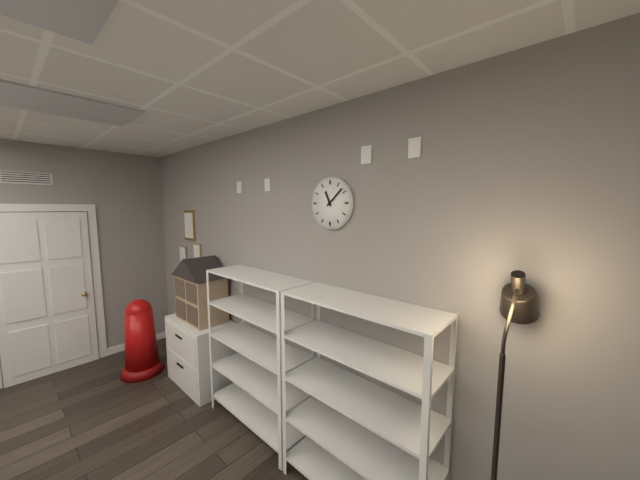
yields 11h08
